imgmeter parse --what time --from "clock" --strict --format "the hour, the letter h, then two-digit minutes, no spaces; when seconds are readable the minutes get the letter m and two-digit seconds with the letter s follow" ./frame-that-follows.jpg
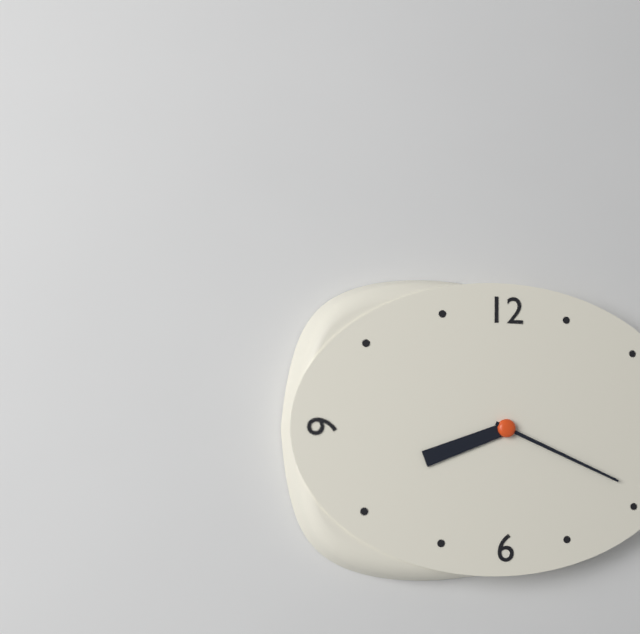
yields 8h19
